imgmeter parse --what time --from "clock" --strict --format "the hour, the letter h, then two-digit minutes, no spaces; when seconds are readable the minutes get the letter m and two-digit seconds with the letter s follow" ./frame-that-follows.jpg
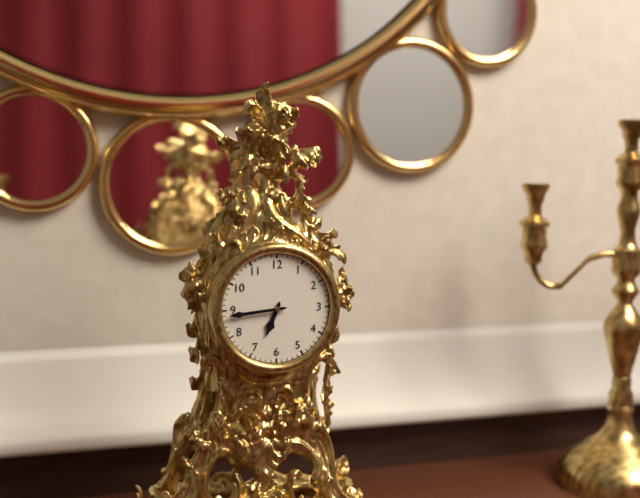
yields 6h44
